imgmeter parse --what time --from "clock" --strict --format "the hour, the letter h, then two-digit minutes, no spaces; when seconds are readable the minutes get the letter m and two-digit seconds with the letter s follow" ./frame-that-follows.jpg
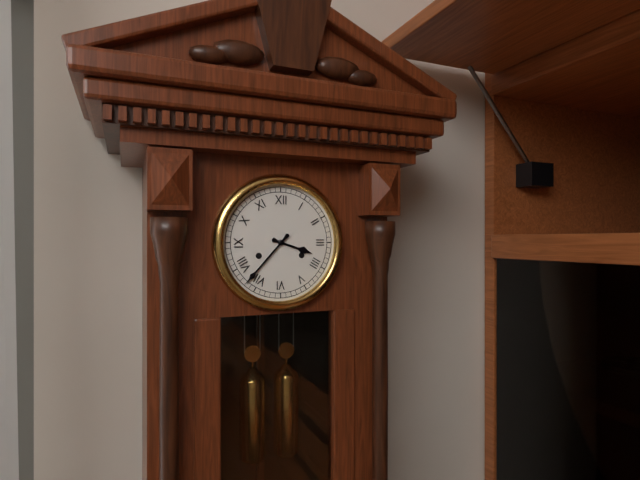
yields 3h37
